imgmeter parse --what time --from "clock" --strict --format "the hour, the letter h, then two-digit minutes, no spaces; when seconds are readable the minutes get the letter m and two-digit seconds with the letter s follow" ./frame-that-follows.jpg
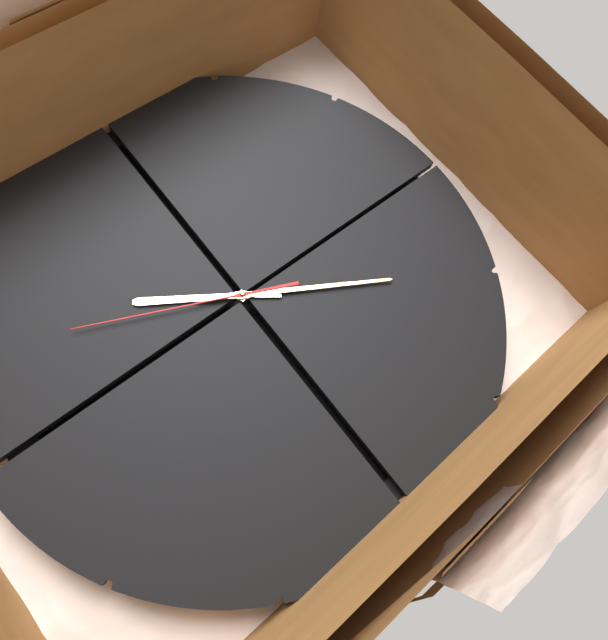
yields 7h05m34s
